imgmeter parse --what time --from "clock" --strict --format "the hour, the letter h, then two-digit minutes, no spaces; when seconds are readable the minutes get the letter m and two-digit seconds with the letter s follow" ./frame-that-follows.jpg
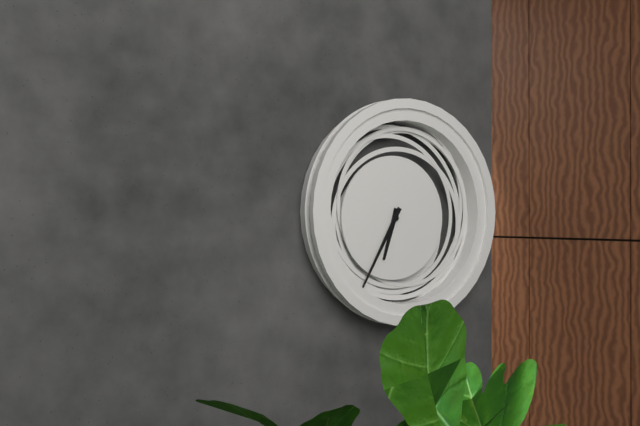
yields 6h35
